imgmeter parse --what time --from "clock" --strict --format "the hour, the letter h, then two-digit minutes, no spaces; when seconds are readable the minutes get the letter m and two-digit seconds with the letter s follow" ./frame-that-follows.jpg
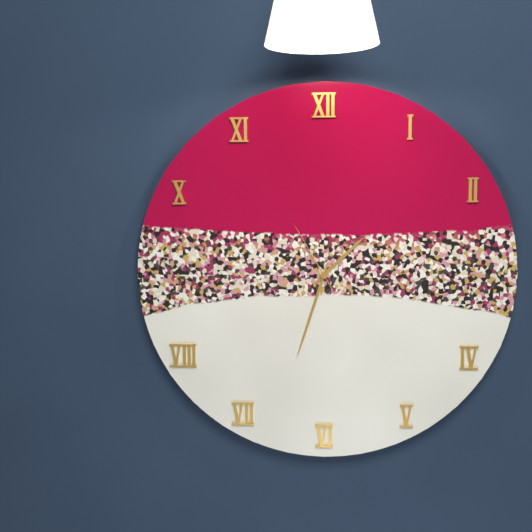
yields 1h33m55s
